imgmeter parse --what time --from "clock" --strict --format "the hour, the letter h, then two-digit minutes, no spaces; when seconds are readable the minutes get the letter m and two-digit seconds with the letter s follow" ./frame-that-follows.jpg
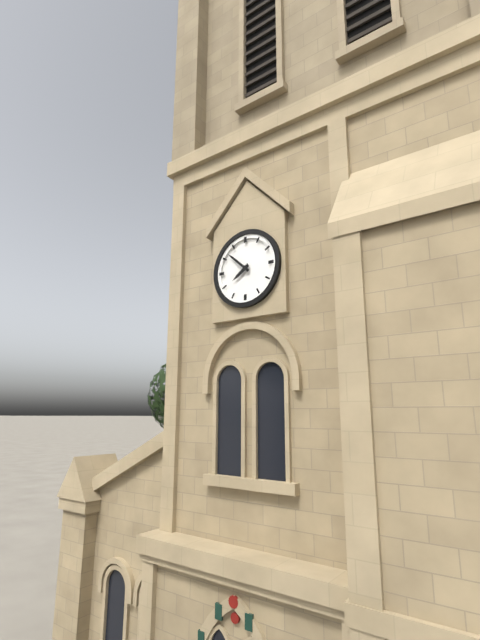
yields 7h52
